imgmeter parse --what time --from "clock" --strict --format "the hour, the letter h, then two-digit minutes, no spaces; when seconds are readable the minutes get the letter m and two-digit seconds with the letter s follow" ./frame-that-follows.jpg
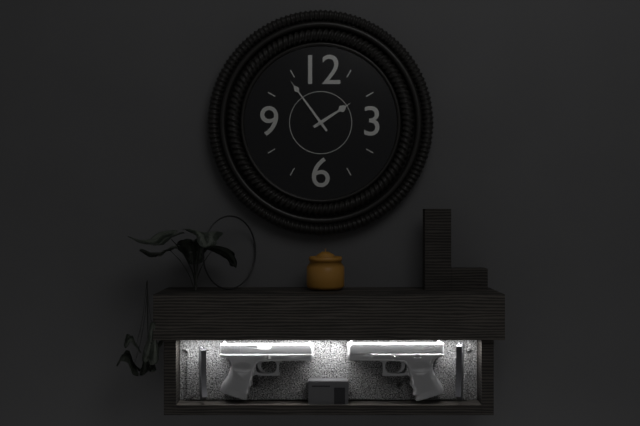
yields 1h54
